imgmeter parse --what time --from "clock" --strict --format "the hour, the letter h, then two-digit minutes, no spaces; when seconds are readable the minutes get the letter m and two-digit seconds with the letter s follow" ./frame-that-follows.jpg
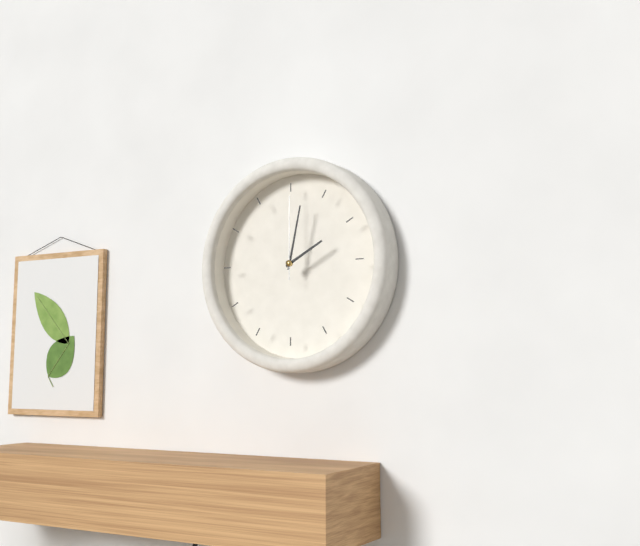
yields 2h02m00s
